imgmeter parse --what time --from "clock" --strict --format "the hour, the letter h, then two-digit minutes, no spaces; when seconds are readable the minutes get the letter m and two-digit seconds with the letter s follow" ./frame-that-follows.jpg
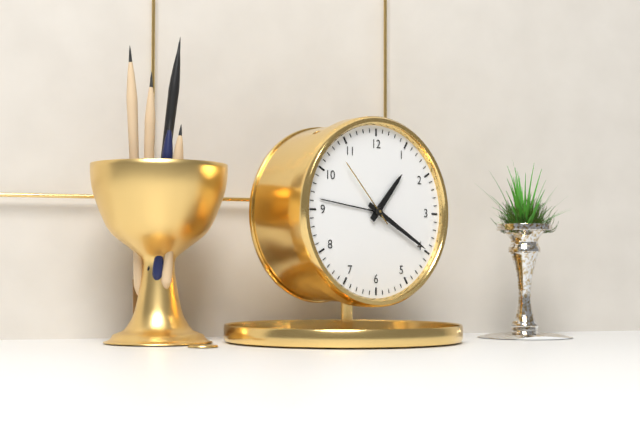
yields 1h20m53s
